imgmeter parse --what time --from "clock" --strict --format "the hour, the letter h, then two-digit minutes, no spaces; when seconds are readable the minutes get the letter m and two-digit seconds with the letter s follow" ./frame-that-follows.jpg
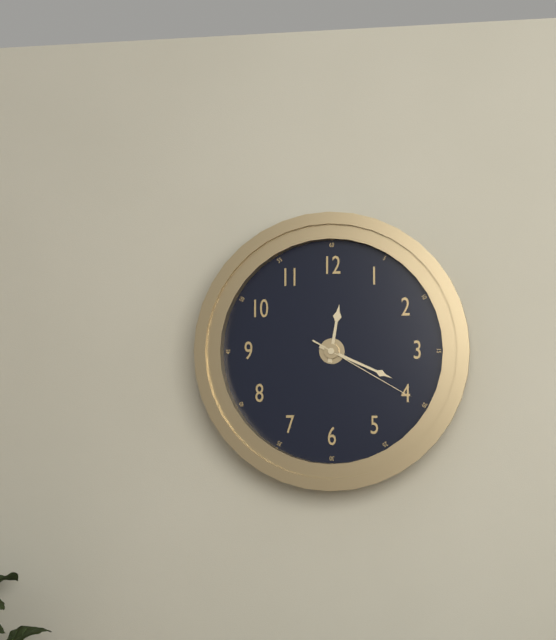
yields 12h19m20s
